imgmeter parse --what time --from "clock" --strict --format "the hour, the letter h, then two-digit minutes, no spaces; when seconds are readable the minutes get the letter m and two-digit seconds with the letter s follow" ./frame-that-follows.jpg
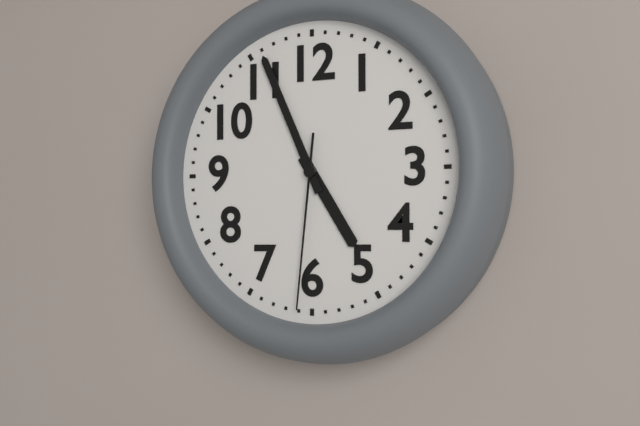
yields 4h56m31s
